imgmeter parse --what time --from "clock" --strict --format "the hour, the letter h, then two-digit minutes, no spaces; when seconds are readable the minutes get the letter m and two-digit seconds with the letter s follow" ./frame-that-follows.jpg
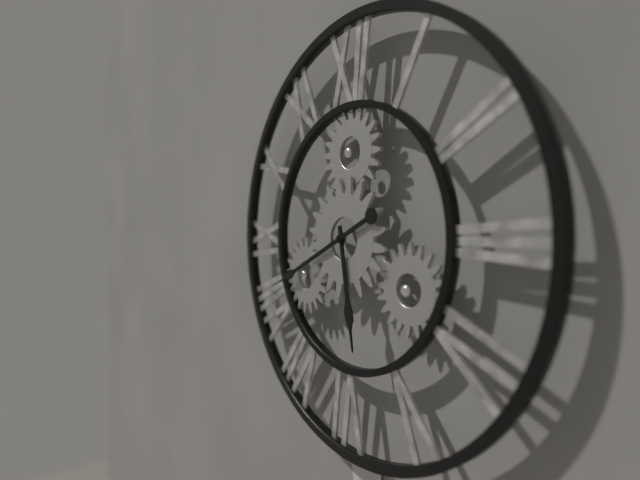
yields 5h41
